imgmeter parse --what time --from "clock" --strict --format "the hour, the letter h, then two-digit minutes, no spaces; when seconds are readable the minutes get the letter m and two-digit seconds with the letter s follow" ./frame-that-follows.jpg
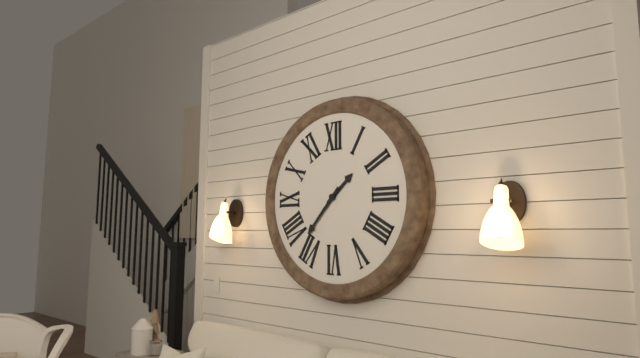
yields 1h37
